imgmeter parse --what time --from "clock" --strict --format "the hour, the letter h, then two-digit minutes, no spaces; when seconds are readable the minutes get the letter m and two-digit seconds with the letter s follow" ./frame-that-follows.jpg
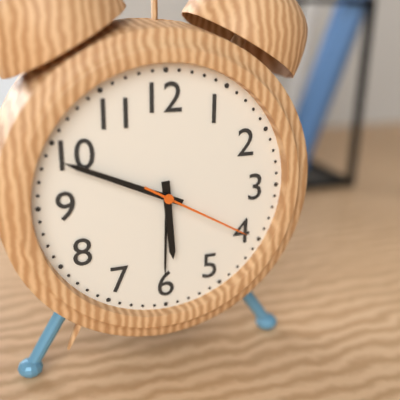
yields 5h49m20s
